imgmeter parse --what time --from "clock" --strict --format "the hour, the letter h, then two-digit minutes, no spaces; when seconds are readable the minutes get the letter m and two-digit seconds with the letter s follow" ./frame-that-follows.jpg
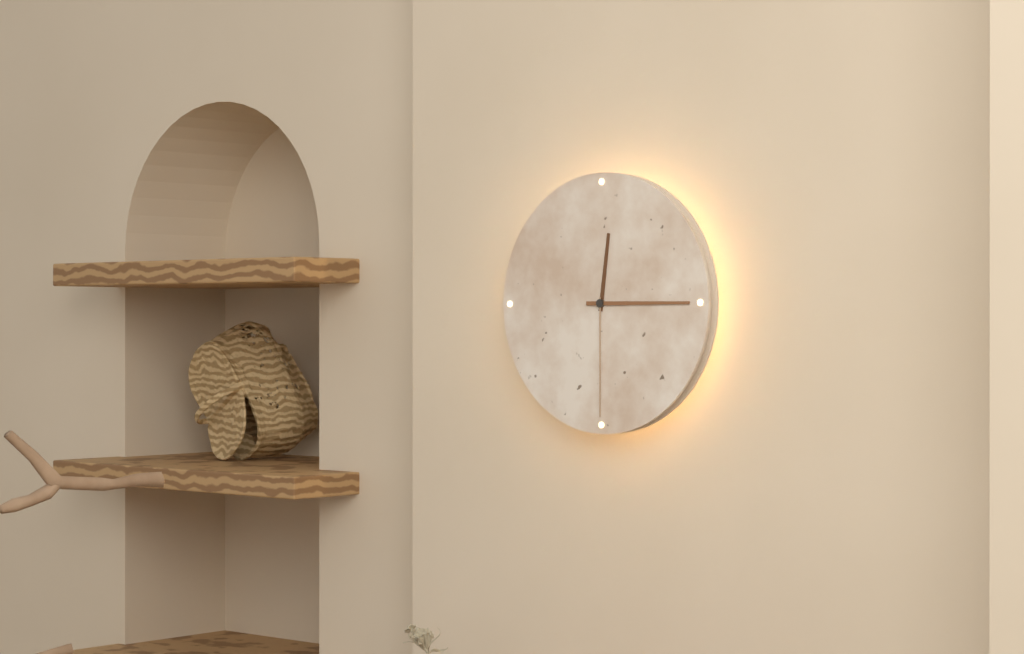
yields 12h15m30s
